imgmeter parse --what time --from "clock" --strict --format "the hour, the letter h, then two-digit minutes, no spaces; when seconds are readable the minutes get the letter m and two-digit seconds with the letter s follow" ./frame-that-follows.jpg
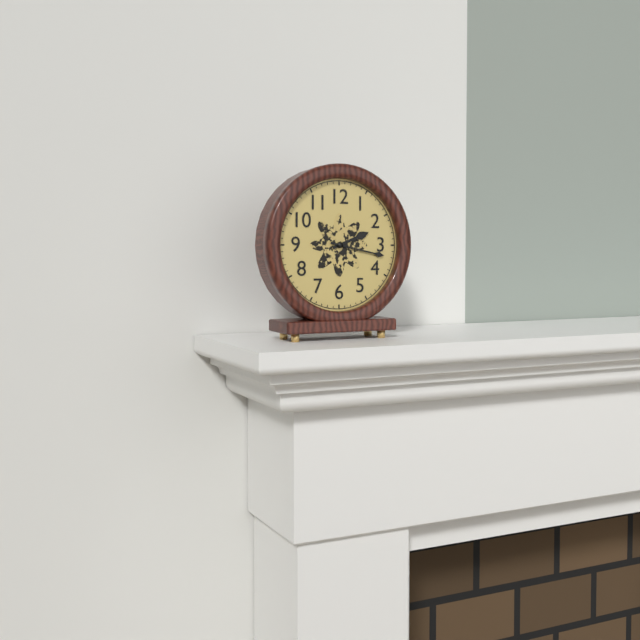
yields 2h17
